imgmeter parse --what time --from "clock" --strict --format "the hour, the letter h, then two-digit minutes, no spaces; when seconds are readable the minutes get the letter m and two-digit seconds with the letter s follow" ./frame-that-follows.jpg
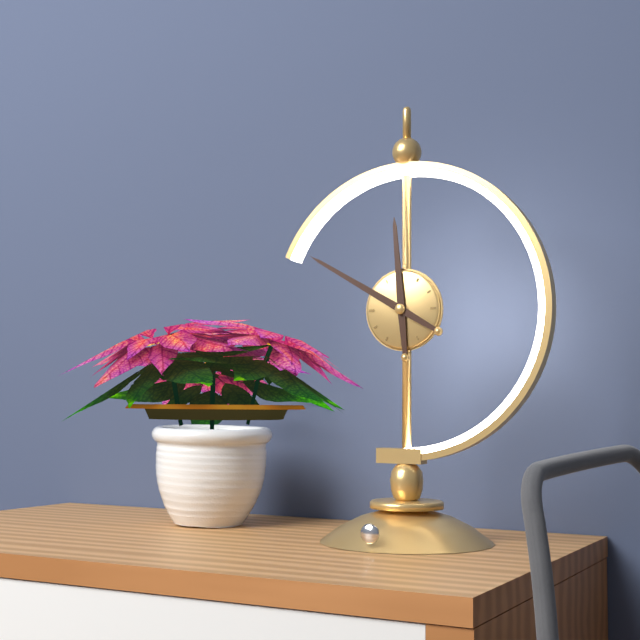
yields 11h50
